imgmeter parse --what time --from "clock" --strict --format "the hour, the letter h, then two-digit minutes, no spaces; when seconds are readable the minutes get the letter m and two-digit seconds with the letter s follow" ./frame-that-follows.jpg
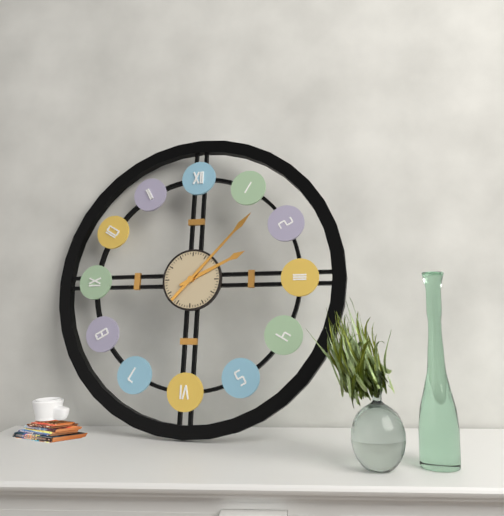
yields 2h07
